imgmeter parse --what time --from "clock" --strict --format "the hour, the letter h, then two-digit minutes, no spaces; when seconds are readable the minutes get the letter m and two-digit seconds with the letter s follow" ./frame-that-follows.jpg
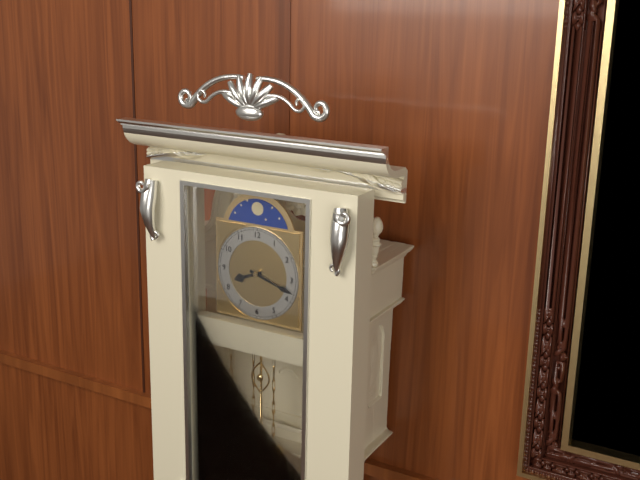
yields 8h18
